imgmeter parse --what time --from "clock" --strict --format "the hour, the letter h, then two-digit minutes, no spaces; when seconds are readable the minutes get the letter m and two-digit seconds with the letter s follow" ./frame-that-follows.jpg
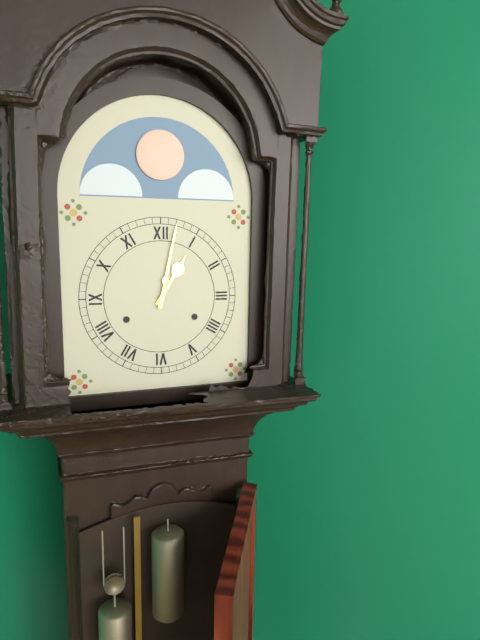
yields 1h02
